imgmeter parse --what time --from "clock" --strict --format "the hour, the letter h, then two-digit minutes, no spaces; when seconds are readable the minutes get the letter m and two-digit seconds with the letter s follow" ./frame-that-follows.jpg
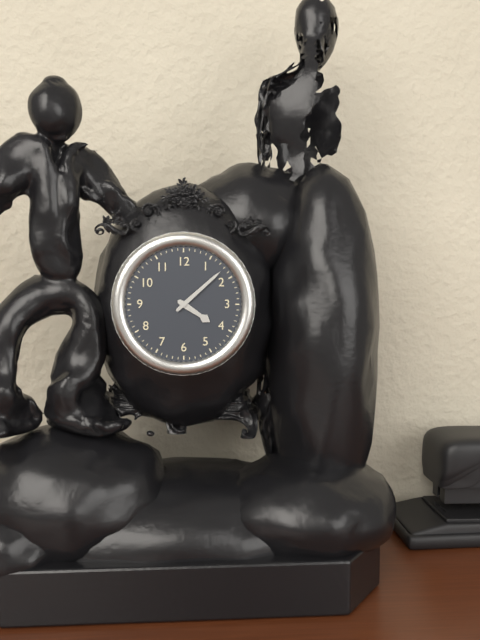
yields 4h08
